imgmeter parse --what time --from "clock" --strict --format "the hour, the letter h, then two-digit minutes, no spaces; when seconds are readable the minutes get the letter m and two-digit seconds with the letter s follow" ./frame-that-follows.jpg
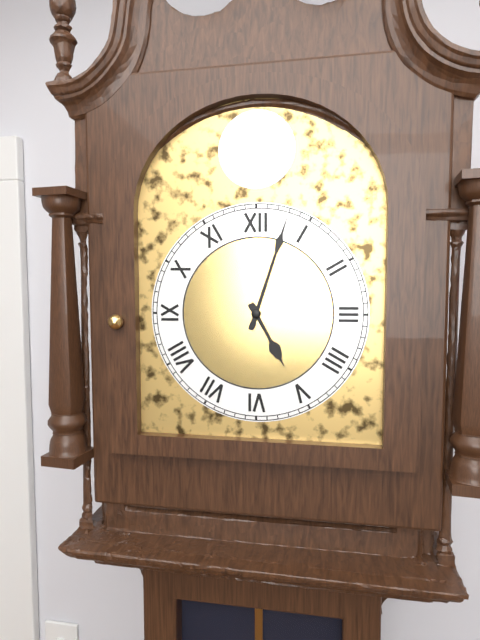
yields 5h03
